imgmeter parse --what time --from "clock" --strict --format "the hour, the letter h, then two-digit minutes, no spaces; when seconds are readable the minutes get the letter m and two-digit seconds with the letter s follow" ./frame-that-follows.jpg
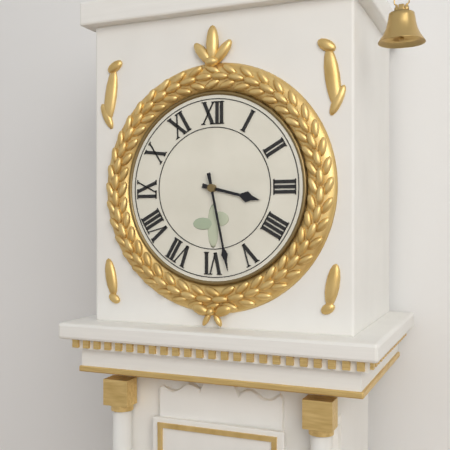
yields 3h28
